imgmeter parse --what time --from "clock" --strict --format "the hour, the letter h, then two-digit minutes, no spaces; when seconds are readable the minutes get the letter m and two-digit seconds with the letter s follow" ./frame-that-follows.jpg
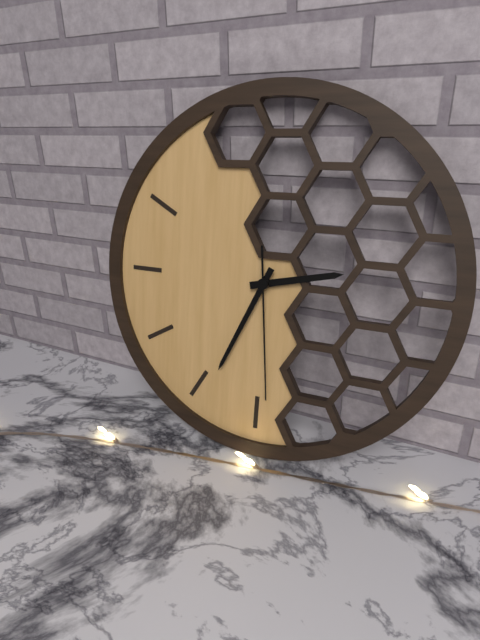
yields 2h34m29s
